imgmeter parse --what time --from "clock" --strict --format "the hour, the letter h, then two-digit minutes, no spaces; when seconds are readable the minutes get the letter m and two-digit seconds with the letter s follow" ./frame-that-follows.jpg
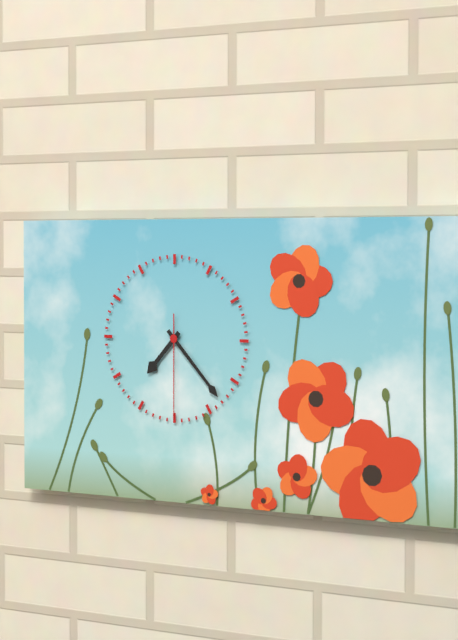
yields 7h23m30s
